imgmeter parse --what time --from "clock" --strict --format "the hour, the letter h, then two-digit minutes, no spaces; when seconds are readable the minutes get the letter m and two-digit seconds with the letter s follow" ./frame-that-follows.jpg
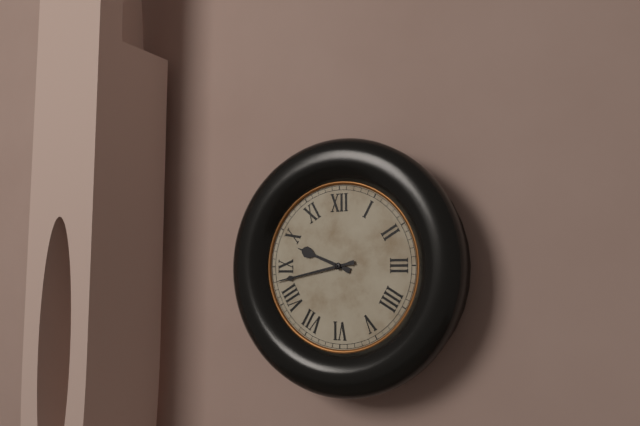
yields 9h43
